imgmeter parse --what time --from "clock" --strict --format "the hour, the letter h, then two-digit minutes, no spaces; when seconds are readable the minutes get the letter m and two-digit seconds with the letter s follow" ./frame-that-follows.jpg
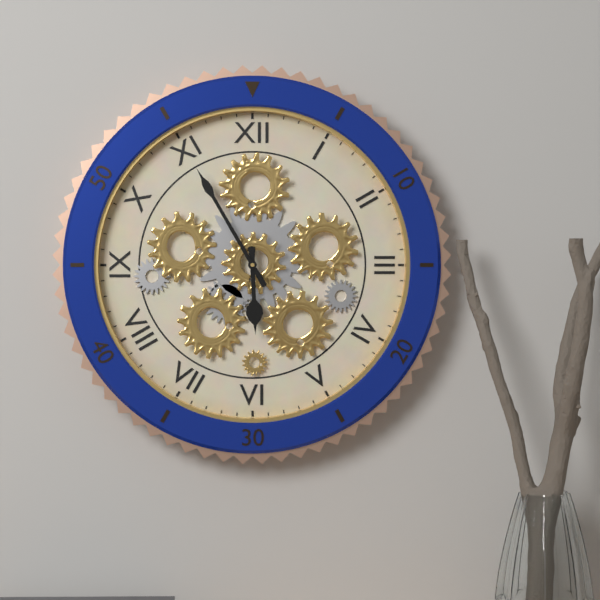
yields 5h55
